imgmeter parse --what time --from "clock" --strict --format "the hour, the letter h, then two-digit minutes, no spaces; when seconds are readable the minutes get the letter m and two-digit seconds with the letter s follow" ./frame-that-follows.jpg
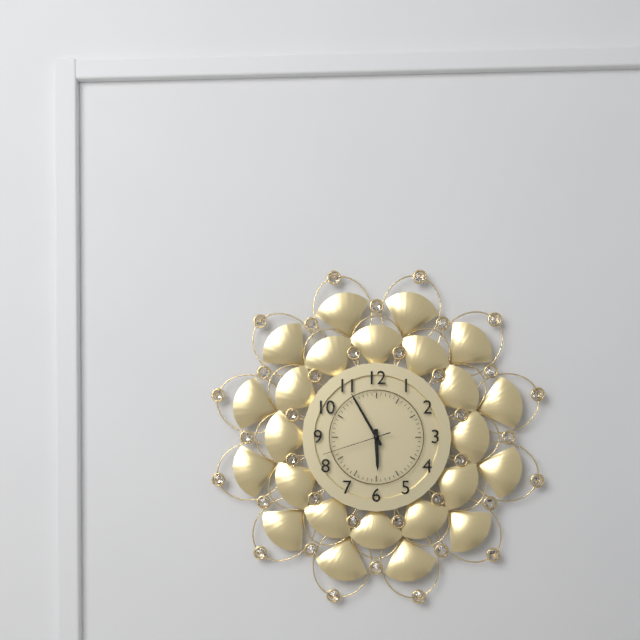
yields 5h55m42s
